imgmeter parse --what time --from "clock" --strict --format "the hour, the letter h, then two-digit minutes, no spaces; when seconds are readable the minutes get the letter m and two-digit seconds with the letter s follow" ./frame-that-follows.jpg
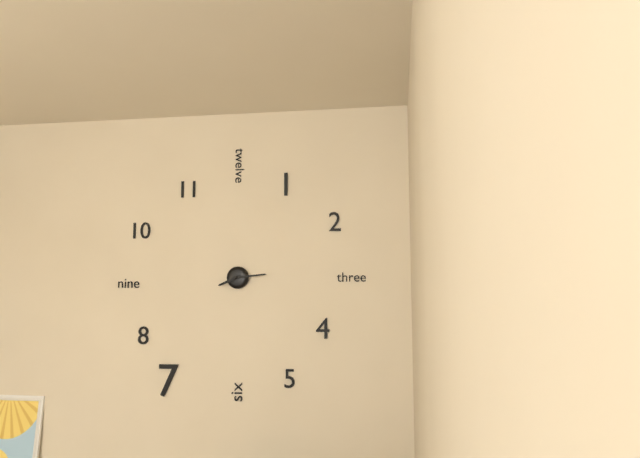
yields 8h14
